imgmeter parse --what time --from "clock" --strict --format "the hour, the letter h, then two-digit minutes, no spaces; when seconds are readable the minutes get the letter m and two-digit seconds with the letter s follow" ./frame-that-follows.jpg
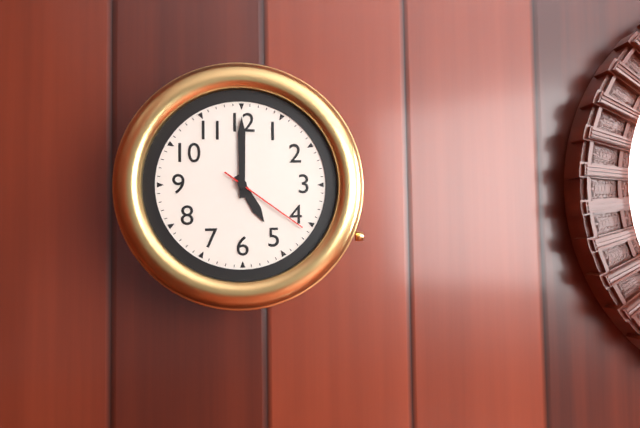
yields 5h00m21s
